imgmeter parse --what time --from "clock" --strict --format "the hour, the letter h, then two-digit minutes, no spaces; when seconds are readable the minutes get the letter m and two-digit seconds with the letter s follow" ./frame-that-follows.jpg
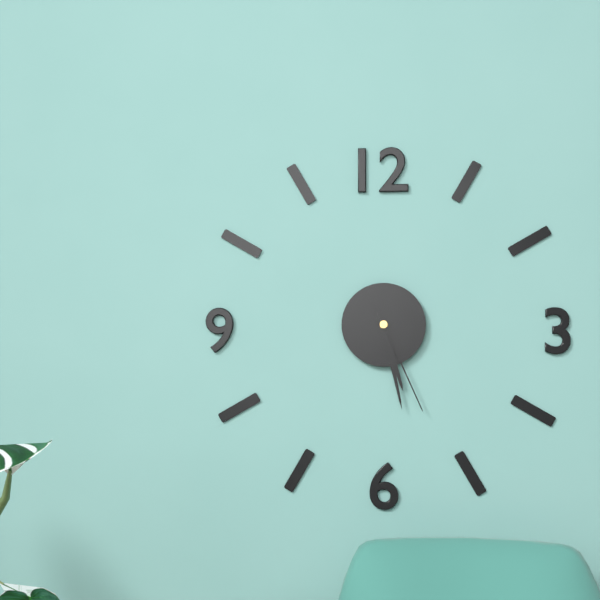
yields 5h28m26s
